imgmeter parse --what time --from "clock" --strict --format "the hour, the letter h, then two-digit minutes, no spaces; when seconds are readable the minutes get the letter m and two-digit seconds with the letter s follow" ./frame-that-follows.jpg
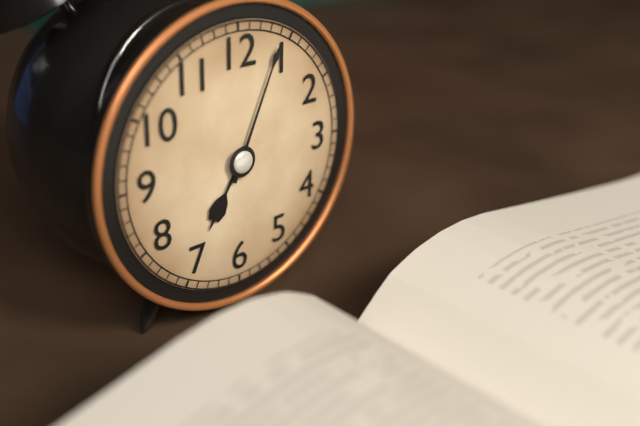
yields 7h04
